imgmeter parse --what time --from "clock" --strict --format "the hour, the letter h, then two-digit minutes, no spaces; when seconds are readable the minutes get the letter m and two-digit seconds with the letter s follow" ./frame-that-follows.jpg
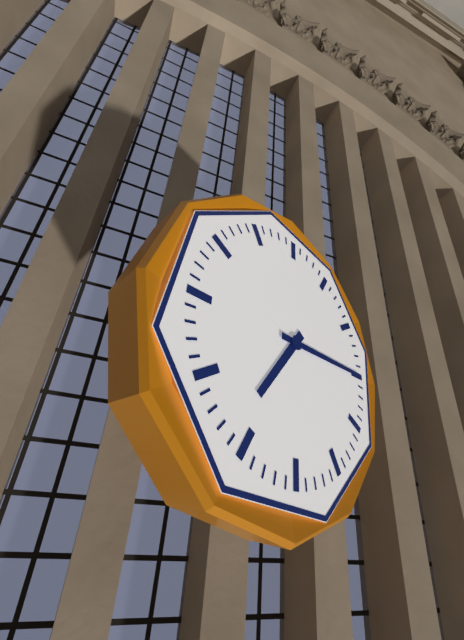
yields 7h15
